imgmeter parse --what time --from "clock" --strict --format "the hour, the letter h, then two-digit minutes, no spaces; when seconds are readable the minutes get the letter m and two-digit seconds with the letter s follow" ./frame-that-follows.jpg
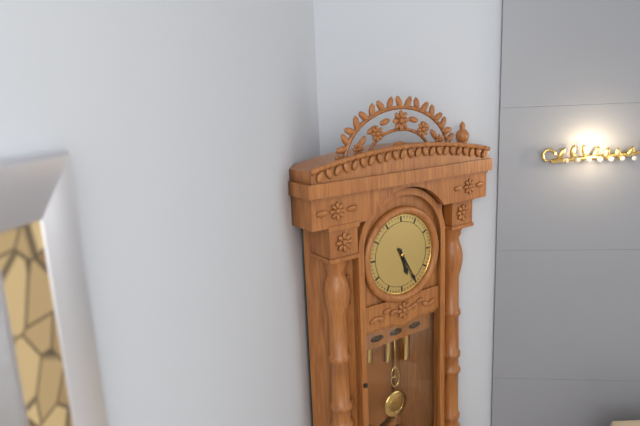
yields 5h25
